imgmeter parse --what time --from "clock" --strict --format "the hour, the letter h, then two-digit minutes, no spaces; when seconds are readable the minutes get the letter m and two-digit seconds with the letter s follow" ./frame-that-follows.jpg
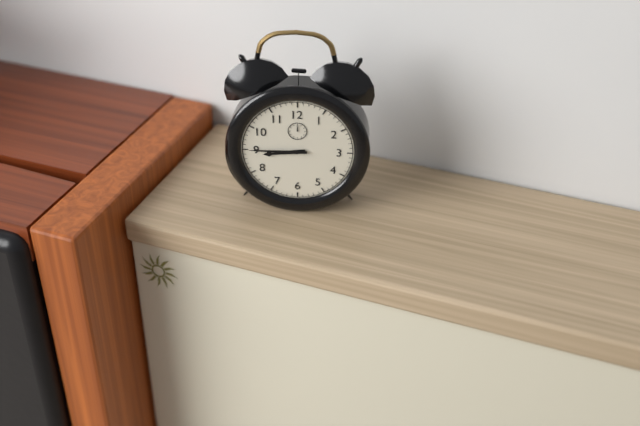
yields 8h45
